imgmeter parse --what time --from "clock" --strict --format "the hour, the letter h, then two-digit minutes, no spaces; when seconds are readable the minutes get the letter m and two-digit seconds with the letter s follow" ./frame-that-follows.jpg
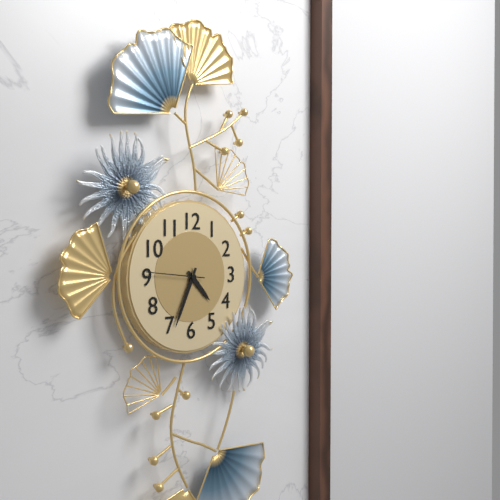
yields 4h34m46s
